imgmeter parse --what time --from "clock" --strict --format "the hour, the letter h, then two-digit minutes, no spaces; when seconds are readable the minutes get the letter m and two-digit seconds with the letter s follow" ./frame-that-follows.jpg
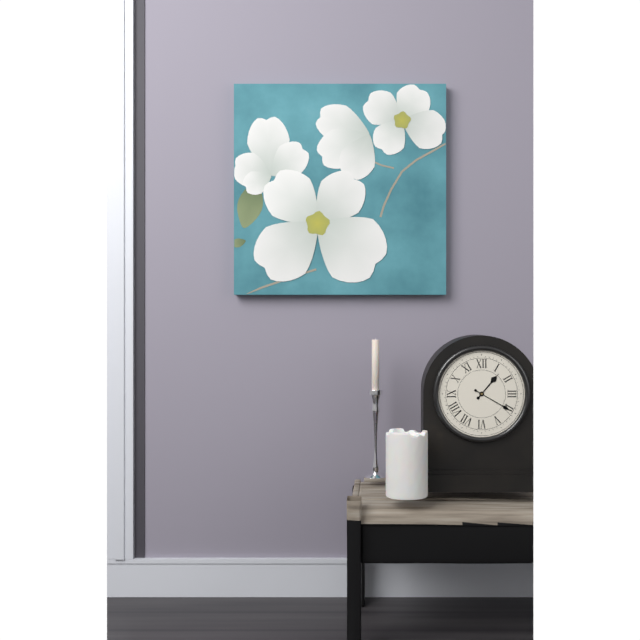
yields 1h20
